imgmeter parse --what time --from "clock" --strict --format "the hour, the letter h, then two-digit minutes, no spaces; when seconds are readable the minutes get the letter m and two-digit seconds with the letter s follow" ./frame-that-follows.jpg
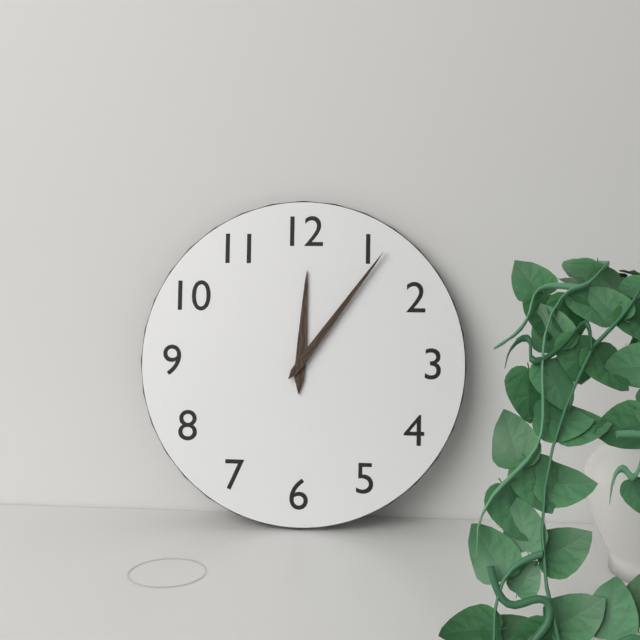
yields 12h06
